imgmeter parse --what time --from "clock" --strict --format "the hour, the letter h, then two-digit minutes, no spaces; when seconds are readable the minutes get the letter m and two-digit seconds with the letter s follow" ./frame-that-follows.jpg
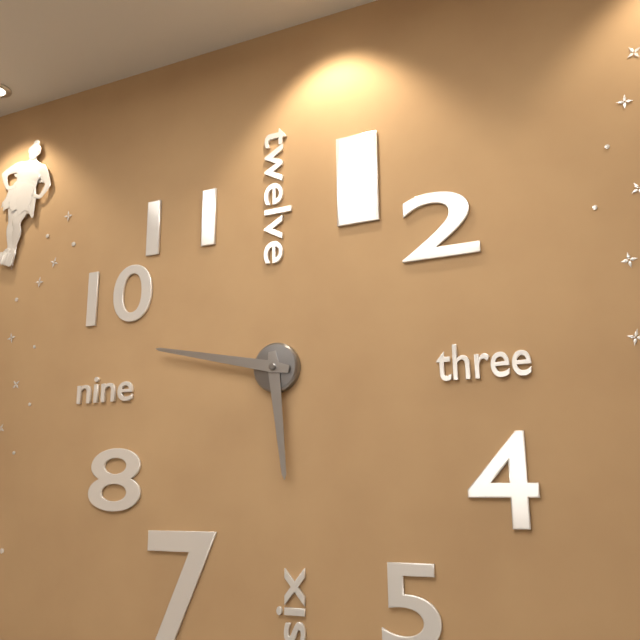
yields 5h47
